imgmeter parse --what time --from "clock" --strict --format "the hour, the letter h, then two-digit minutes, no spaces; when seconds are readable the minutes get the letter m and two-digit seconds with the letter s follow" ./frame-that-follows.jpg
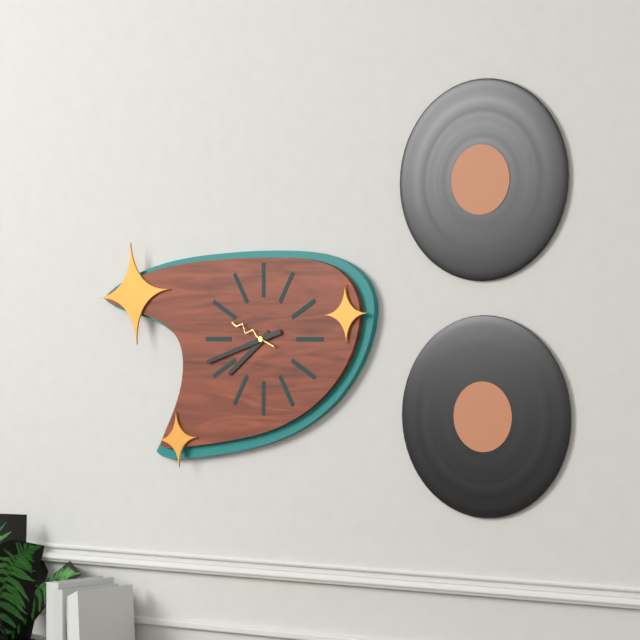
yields 7h42m49s
